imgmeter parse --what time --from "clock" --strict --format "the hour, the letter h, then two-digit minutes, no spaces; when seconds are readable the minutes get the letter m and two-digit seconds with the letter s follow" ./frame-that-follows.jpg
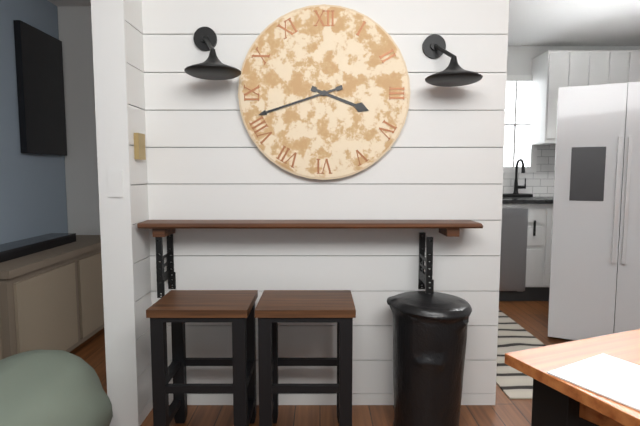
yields 3h42
